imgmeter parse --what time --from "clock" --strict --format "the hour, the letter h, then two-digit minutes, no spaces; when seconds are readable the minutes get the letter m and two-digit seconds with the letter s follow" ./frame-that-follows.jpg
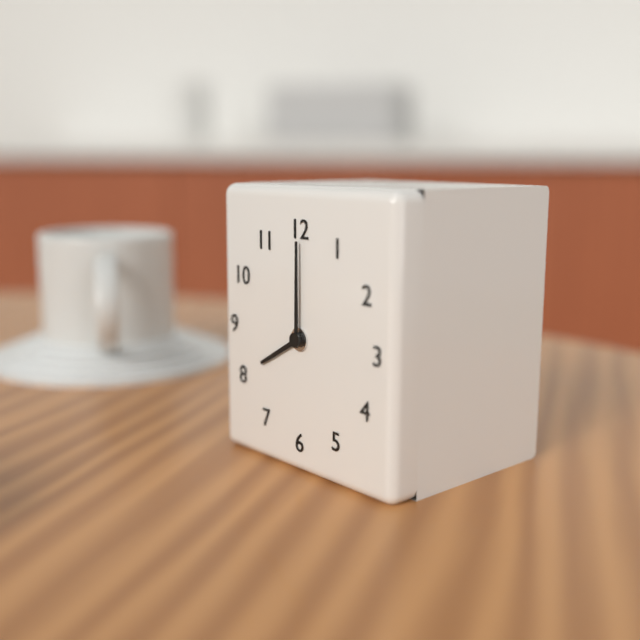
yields 8h00
